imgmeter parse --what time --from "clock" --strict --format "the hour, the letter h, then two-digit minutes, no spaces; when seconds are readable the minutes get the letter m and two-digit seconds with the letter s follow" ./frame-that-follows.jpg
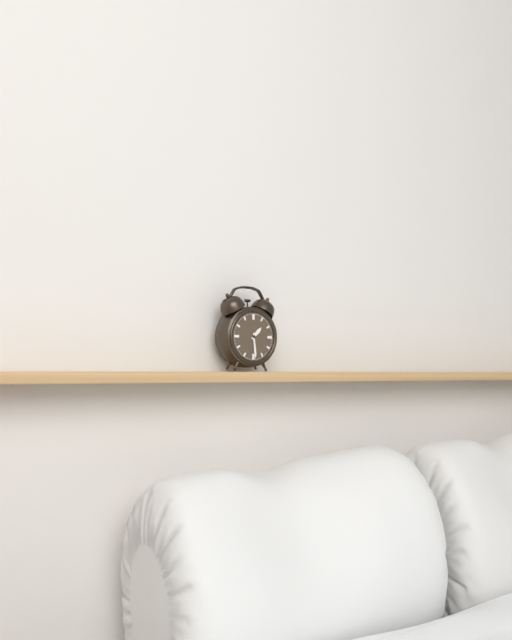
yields 1h29
